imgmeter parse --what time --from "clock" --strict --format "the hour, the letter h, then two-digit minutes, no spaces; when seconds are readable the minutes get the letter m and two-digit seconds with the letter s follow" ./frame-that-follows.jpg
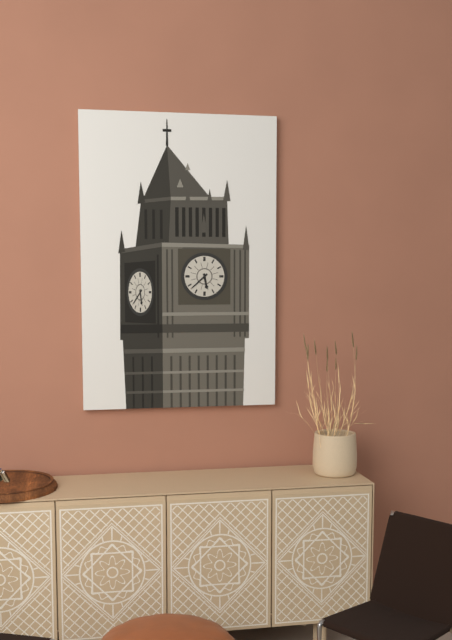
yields 5h38
